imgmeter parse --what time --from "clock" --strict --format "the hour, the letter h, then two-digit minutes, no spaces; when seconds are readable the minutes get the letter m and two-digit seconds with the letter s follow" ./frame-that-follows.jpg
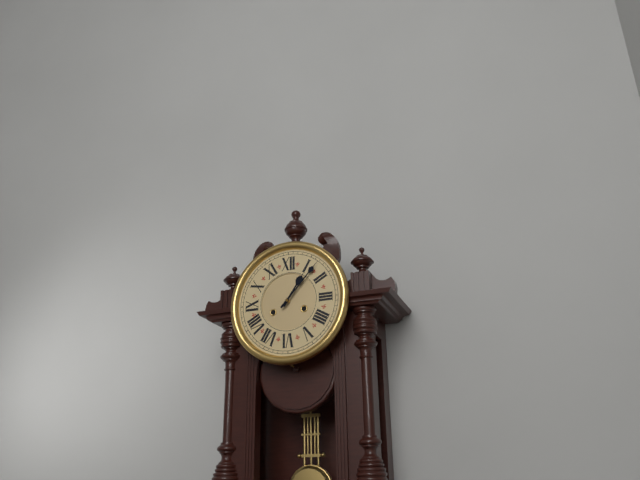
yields 1h07
